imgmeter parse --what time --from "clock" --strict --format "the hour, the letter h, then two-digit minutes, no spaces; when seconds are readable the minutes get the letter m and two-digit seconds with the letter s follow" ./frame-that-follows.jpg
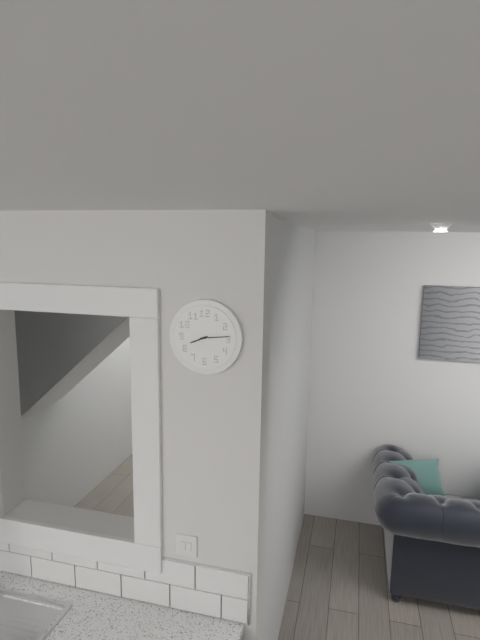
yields 8h14
